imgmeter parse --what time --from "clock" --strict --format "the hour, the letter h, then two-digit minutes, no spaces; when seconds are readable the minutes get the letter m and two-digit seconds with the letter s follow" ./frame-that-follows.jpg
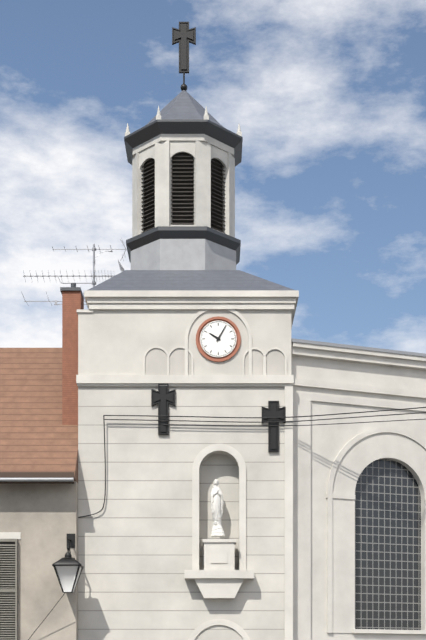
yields 10h05
